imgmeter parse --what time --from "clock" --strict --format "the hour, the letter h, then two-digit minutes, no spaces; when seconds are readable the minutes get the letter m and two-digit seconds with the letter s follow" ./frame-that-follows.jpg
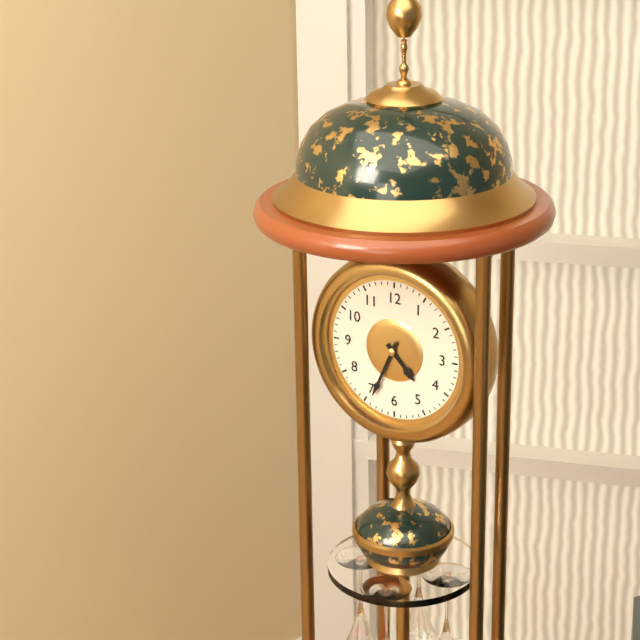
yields 4h34
